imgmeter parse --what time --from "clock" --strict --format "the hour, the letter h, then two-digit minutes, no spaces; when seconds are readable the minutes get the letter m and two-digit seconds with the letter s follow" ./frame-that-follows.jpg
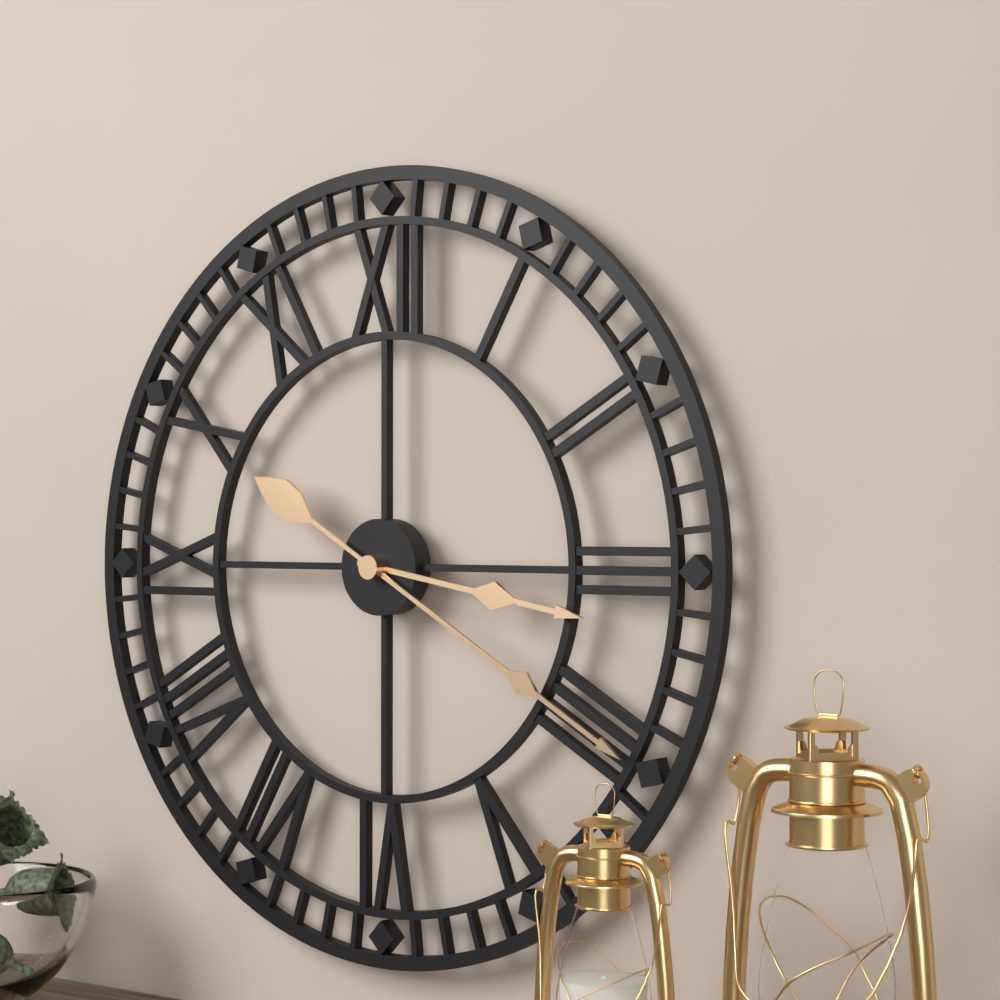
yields 3h20
